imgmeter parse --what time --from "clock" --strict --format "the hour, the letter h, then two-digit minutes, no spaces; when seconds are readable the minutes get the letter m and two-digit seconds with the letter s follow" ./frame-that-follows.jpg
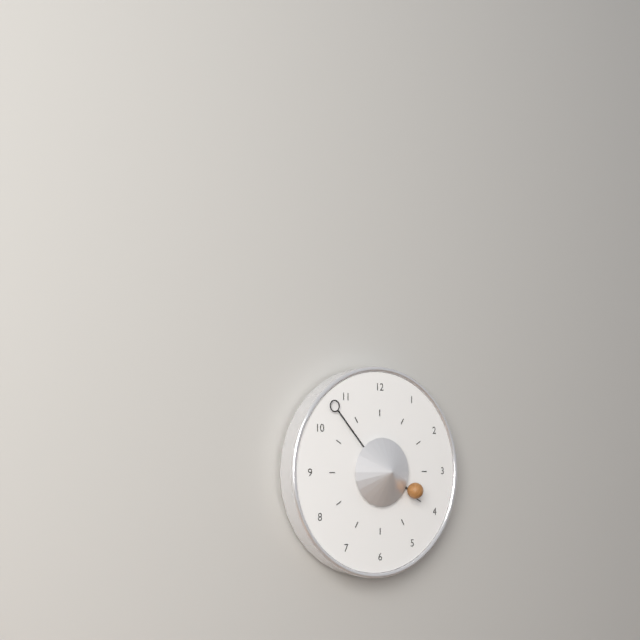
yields 3h53
